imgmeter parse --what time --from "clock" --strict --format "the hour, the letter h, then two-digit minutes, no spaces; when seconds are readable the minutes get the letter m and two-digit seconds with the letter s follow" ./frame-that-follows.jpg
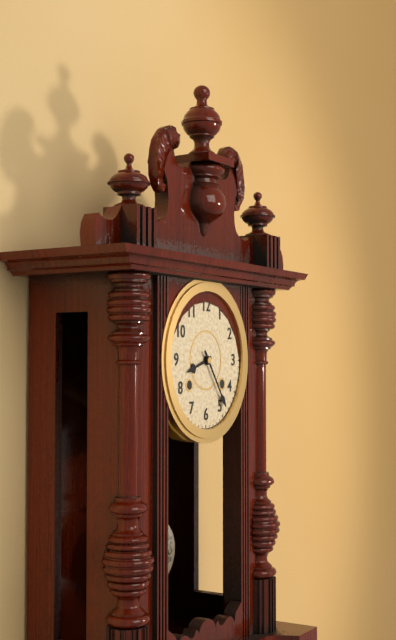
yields 8h24
